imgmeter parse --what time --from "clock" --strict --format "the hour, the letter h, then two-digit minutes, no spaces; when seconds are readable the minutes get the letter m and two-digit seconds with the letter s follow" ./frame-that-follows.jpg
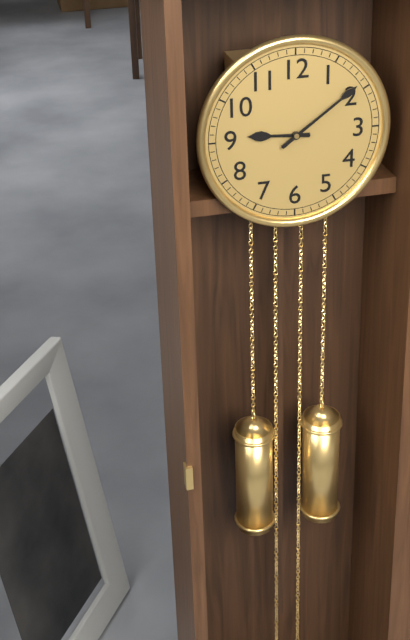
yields 9h09
